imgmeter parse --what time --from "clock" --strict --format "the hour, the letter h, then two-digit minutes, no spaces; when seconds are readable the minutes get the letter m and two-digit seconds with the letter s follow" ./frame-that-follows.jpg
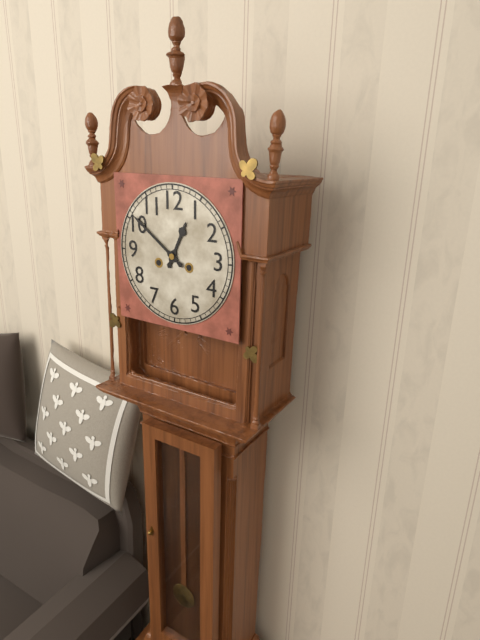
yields 12h51
